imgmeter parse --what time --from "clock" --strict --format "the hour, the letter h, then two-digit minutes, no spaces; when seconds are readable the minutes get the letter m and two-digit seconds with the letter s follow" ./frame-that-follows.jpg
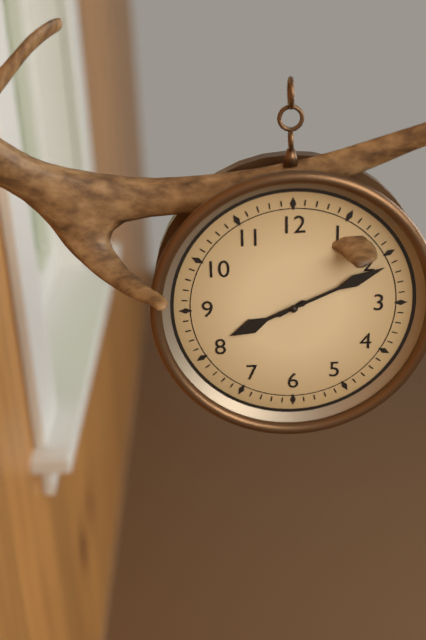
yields 8h11
